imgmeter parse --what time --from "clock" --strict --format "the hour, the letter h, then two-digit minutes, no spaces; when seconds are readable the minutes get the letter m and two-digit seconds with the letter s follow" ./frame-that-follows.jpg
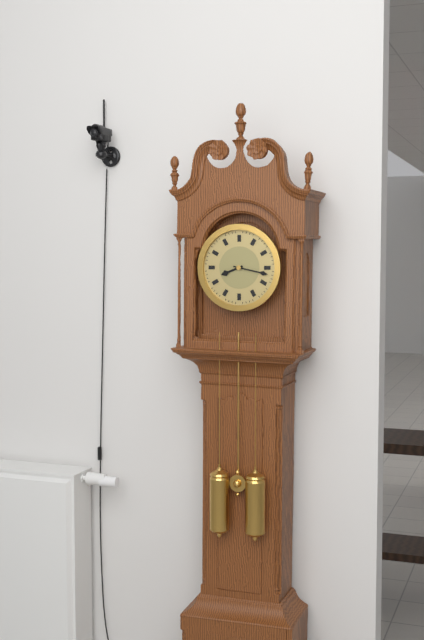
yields 8h17
